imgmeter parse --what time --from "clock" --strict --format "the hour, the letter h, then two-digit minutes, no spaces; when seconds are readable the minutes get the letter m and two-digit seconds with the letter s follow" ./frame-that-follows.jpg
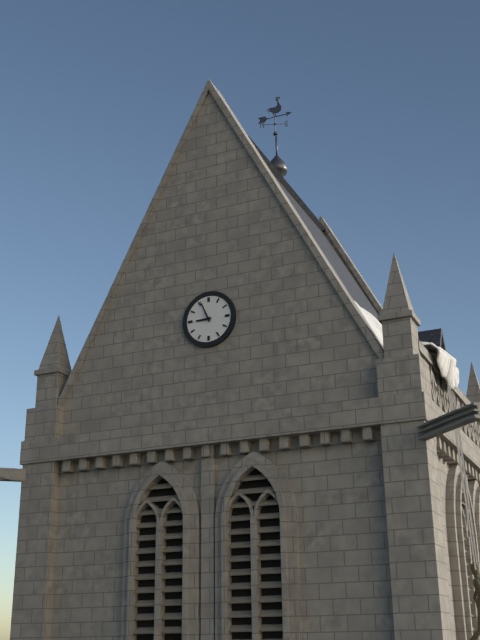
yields 8h56
